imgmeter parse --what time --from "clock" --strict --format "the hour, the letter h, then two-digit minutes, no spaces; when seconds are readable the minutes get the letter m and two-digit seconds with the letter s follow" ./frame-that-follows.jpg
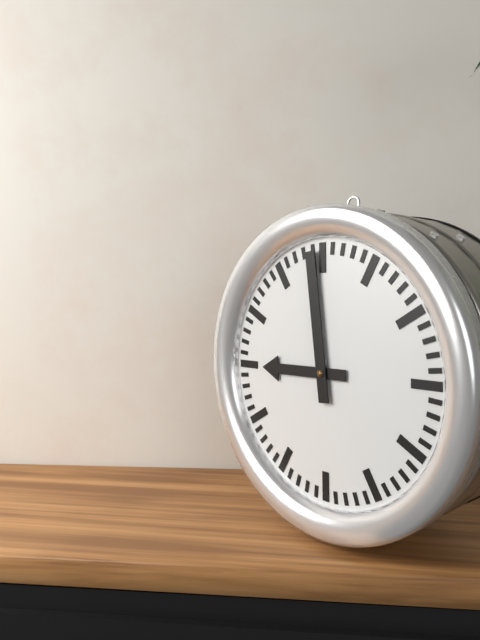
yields 8h59
